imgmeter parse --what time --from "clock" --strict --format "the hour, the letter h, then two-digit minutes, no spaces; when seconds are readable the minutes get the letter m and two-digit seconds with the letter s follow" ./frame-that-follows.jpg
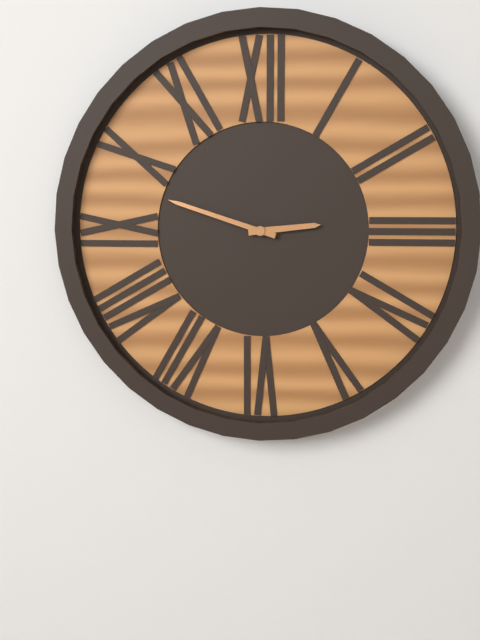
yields 2h48
